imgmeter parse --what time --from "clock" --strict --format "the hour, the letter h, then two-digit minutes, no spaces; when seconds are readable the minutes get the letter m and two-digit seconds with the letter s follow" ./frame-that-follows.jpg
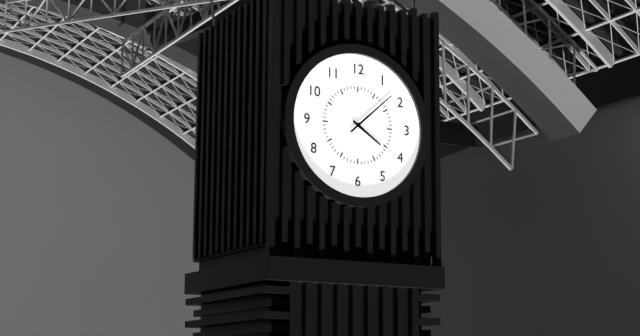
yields 4h08
